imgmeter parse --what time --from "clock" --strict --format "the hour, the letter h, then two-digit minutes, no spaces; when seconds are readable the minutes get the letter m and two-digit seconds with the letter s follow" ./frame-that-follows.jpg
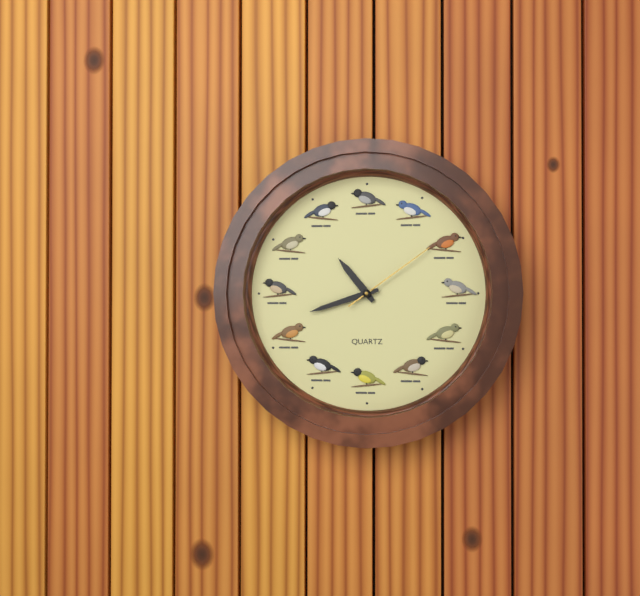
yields 10h42m09s
